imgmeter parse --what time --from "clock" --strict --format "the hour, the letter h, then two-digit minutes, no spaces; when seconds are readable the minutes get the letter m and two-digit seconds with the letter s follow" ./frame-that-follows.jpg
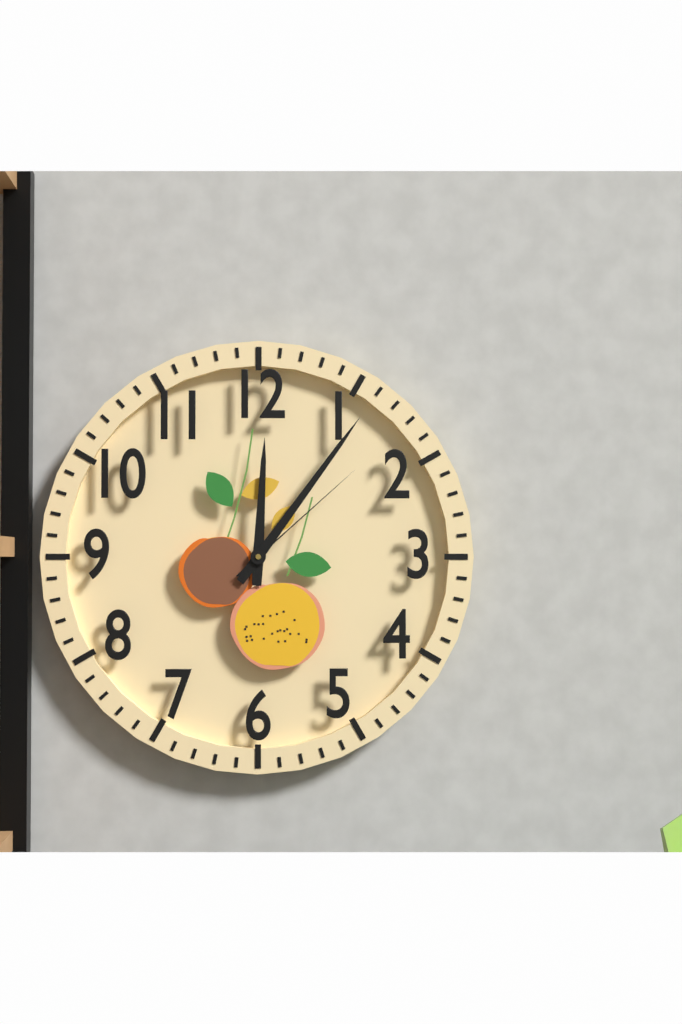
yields 12h06m08s
